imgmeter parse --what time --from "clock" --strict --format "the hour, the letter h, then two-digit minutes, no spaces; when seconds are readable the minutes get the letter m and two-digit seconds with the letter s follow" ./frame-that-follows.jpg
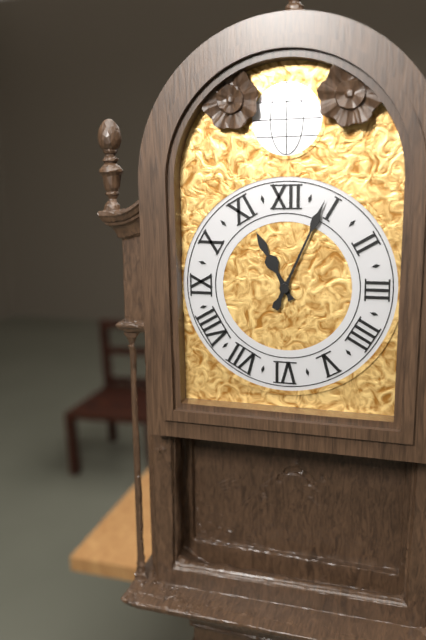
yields 11h04
